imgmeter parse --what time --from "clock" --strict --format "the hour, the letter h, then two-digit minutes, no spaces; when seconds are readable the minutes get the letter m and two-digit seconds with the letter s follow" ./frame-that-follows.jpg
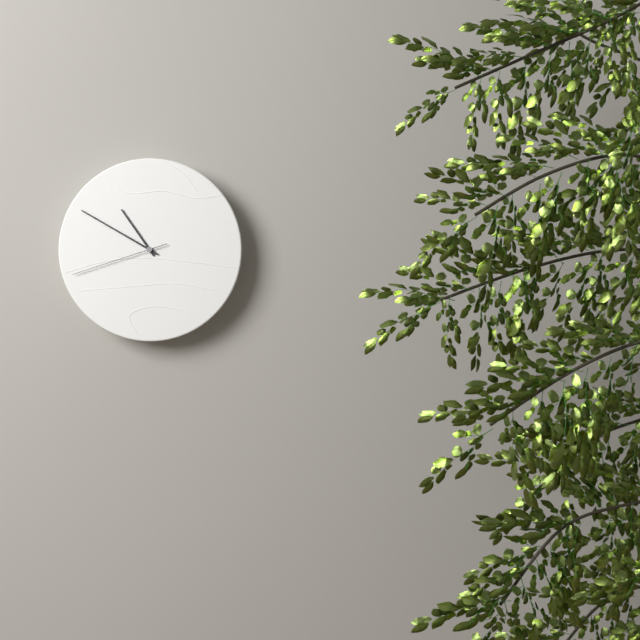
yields 10h50m42s
